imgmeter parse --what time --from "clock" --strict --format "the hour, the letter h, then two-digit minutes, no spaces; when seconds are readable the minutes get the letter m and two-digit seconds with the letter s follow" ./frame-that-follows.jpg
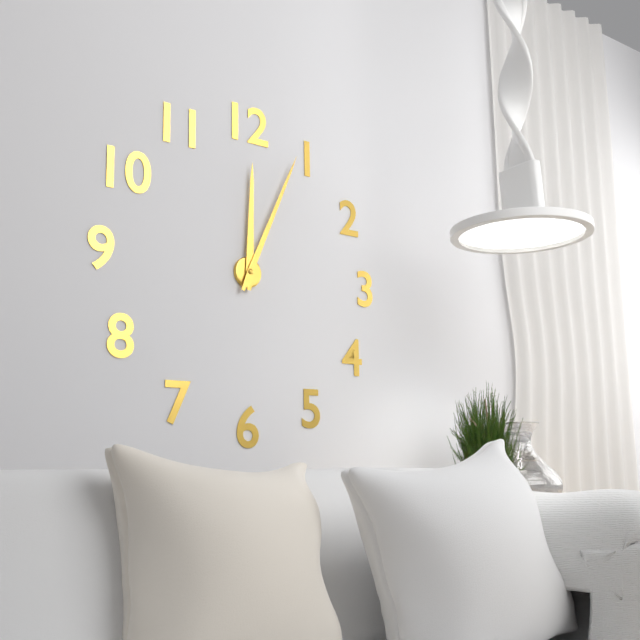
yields 12h04
